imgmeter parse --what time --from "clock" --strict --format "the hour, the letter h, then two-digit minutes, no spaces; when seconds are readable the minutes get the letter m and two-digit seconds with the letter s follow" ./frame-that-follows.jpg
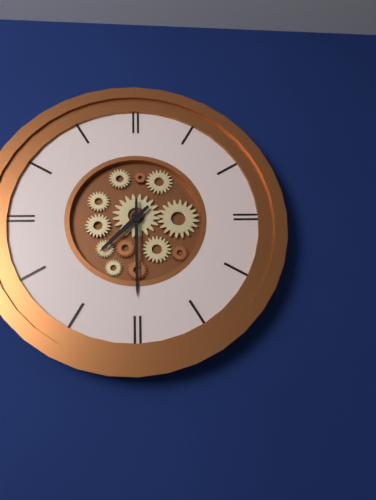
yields 7h30
